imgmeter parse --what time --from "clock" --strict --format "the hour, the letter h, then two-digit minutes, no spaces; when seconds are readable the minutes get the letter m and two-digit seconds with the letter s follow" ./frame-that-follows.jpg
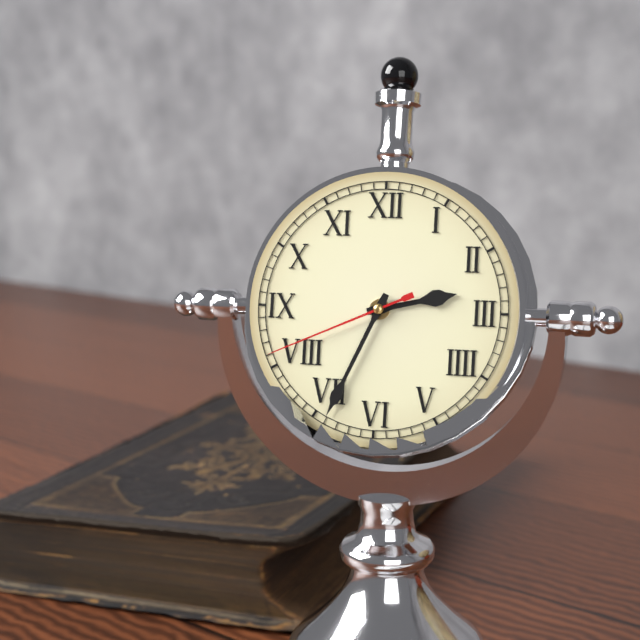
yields 2h34m41s
